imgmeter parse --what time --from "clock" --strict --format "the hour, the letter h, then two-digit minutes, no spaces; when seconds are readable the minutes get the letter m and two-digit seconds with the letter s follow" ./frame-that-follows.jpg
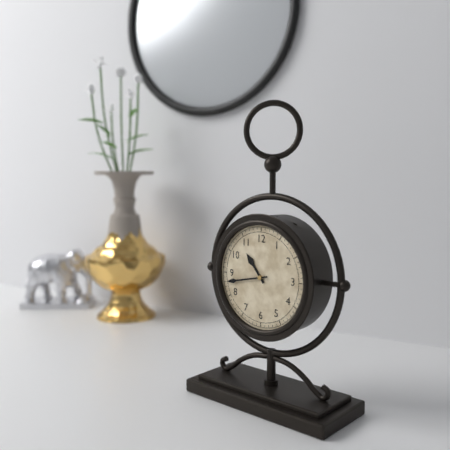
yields 10h43
